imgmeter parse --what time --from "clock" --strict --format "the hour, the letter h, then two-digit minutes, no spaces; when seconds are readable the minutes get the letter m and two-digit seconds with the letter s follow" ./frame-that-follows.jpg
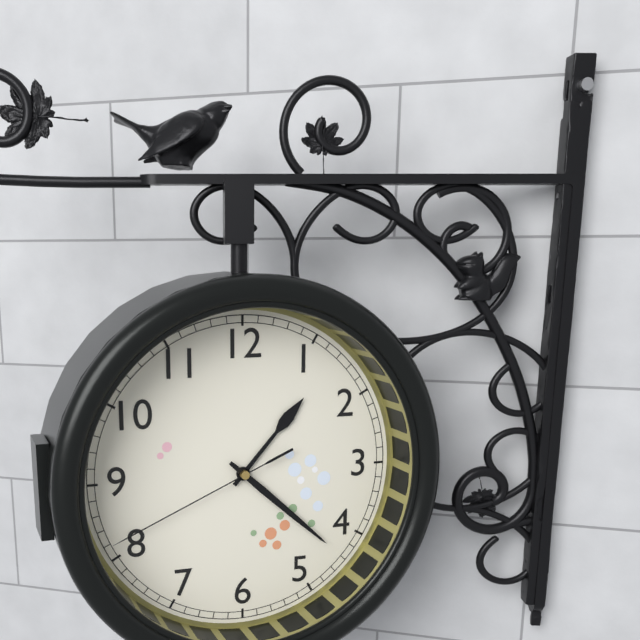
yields 1h22m41s
